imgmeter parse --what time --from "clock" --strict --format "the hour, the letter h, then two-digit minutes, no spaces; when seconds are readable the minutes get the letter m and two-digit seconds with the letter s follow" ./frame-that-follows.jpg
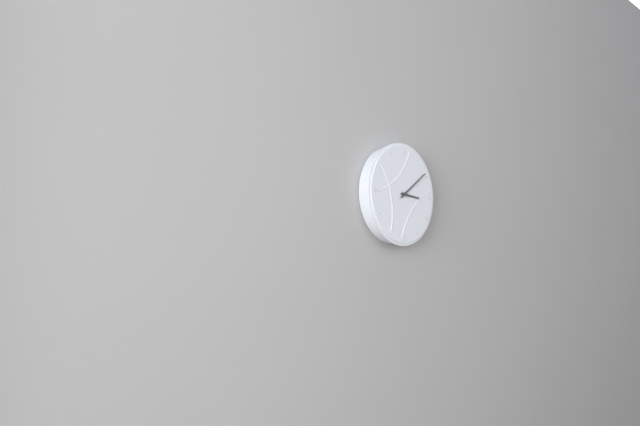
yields 3h09
